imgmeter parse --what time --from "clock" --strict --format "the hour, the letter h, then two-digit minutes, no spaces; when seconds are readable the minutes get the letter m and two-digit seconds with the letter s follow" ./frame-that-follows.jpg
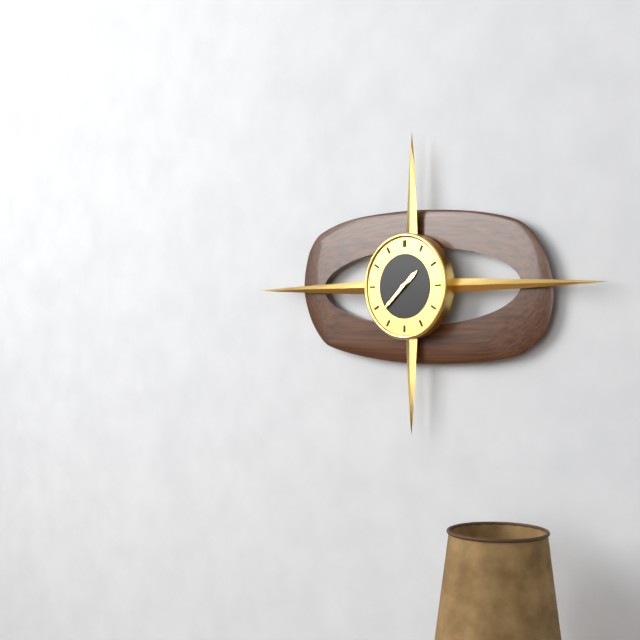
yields 1h38
